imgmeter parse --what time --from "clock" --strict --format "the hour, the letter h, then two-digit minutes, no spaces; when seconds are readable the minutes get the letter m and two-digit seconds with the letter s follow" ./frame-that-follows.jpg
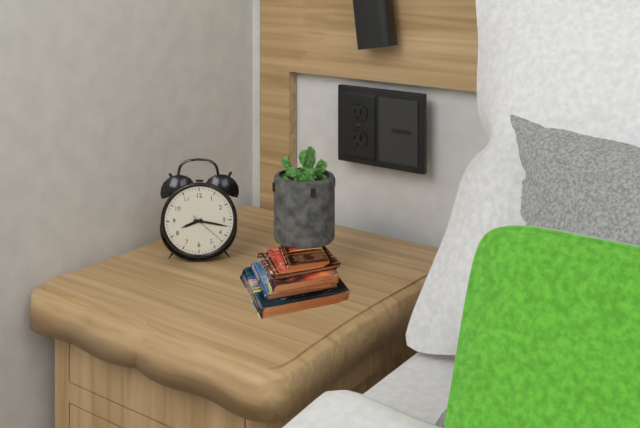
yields 8h17
